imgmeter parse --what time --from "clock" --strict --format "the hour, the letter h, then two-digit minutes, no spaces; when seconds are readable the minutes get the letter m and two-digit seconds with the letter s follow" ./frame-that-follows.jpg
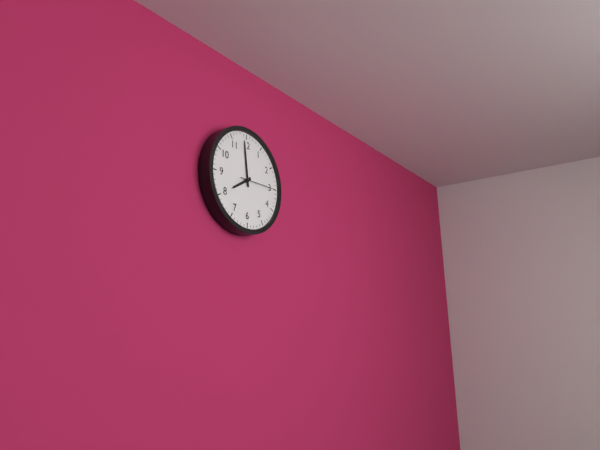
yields 7h59
